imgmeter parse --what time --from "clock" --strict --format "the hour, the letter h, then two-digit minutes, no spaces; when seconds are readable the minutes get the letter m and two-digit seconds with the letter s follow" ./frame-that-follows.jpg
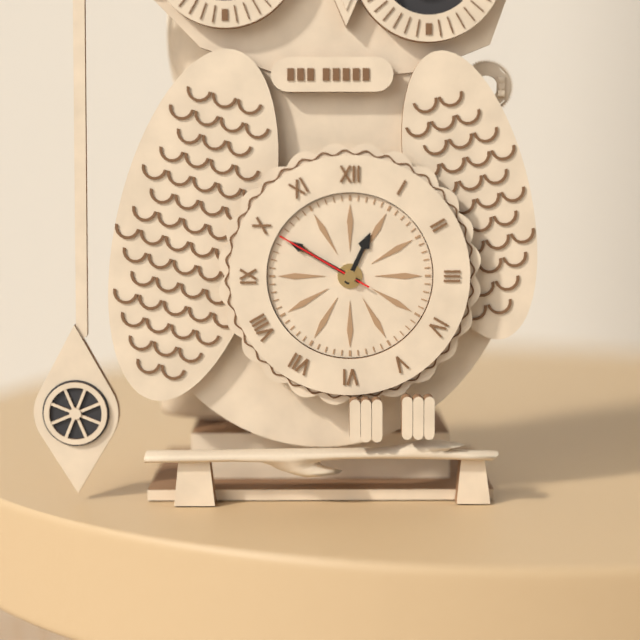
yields 12h50m50s
